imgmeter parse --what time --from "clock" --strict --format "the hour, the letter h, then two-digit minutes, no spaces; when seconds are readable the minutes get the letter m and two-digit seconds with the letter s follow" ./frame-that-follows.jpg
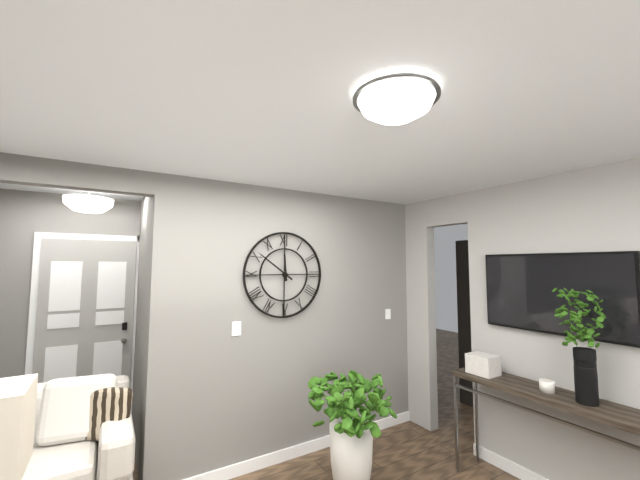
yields 11h51
